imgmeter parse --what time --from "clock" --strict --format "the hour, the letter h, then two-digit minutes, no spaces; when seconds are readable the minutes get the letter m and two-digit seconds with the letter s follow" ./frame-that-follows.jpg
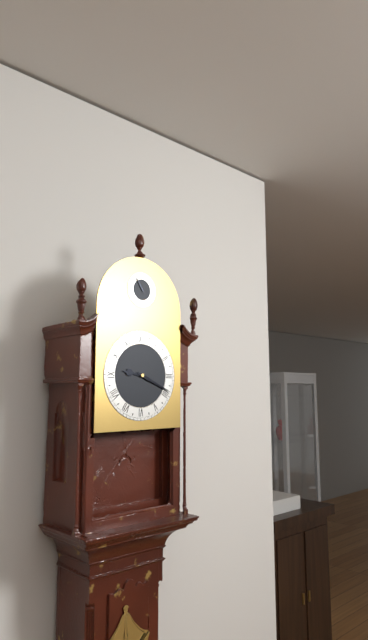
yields 9h19
